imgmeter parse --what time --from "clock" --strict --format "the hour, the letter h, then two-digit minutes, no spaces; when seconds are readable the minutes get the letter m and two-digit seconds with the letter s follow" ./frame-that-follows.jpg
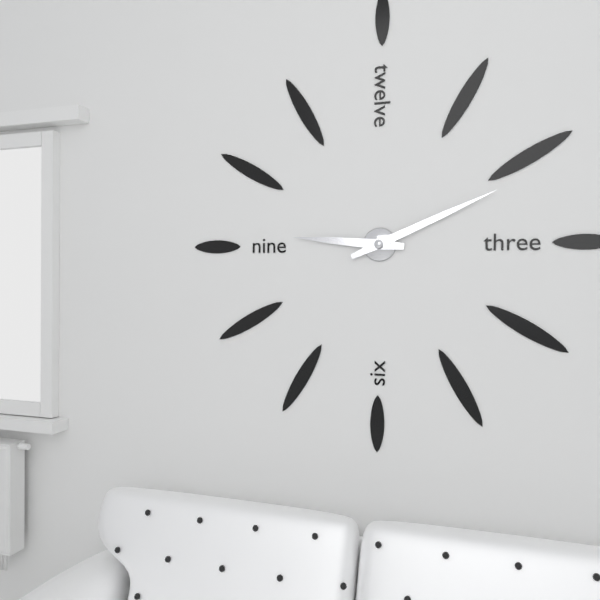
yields 9h11
